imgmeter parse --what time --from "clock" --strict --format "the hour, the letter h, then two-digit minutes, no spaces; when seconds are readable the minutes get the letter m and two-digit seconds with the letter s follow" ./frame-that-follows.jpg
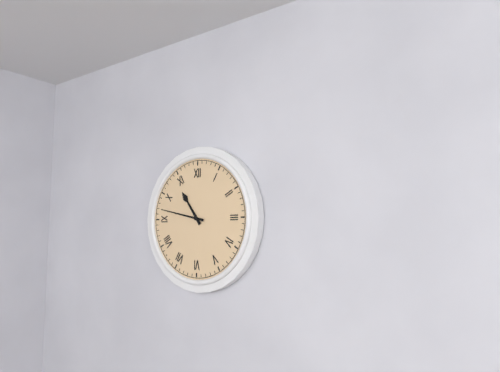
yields 10h47
